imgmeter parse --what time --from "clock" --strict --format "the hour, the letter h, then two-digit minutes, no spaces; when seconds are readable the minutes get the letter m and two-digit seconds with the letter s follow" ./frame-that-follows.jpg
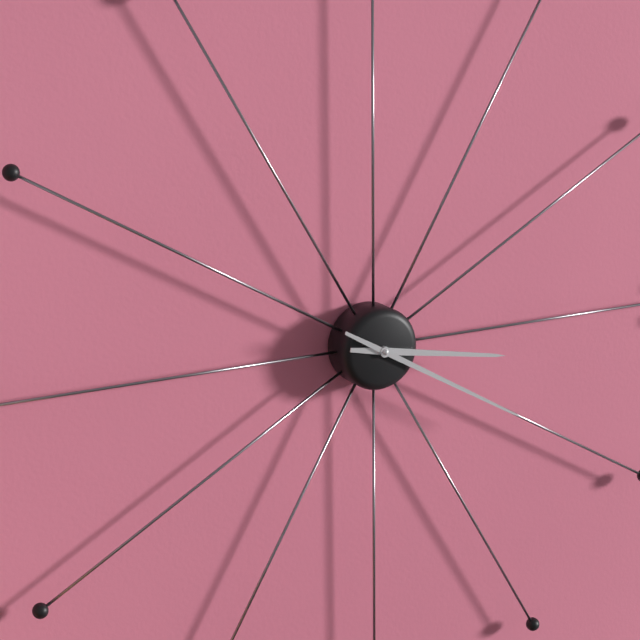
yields 3h20
